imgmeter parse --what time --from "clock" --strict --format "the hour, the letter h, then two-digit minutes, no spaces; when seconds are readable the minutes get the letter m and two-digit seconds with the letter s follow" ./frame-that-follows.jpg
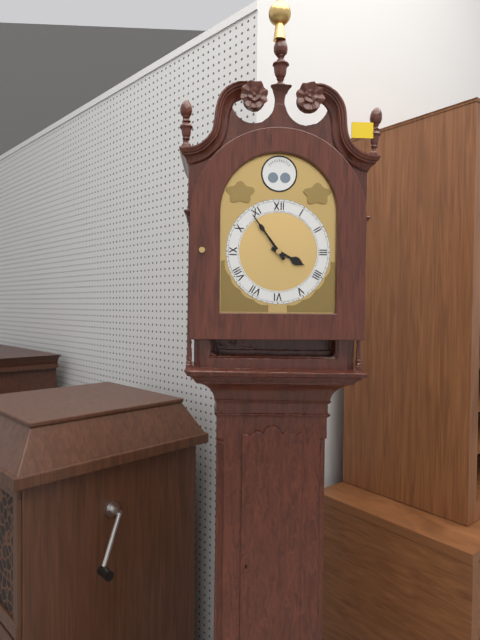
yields 3h54
